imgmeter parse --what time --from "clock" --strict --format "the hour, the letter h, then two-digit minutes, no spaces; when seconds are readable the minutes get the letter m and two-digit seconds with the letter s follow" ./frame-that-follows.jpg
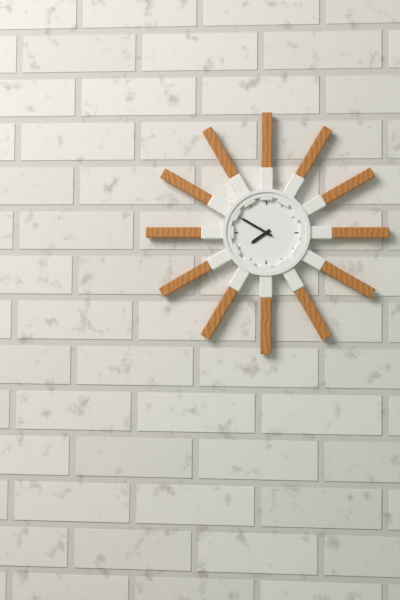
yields 7h50
